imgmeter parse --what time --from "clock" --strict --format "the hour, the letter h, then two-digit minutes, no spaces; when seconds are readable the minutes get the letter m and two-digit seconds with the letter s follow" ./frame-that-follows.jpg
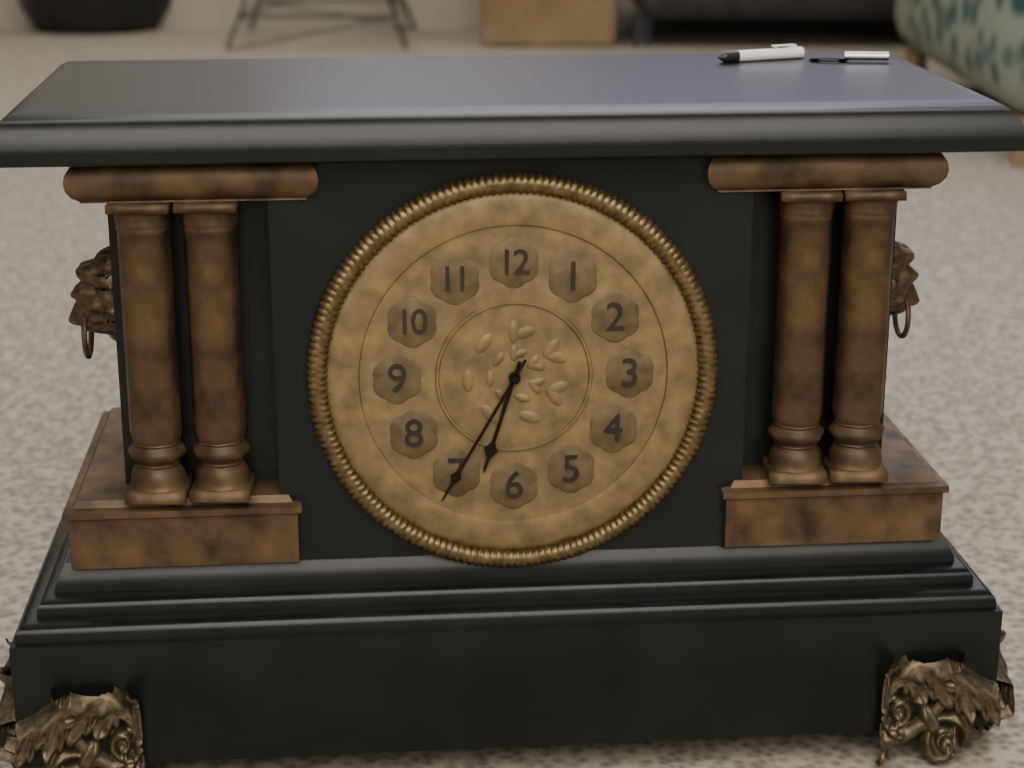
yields 6h35
